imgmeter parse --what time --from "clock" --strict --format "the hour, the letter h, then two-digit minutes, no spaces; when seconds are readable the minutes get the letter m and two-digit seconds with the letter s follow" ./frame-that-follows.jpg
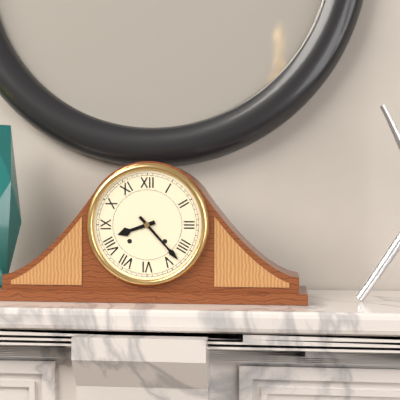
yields 8h23
